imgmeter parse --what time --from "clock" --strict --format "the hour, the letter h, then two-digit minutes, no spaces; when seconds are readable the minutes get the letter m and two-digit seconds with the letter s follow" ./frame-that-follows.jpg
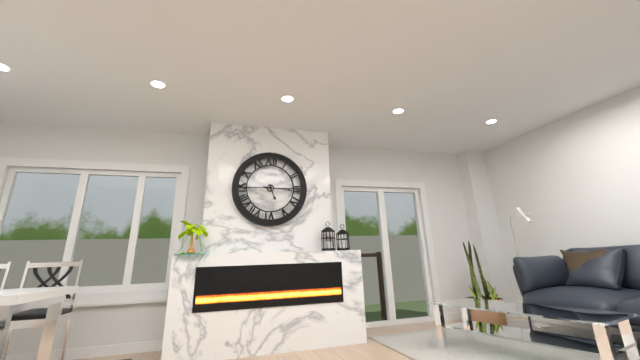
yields 5h16
